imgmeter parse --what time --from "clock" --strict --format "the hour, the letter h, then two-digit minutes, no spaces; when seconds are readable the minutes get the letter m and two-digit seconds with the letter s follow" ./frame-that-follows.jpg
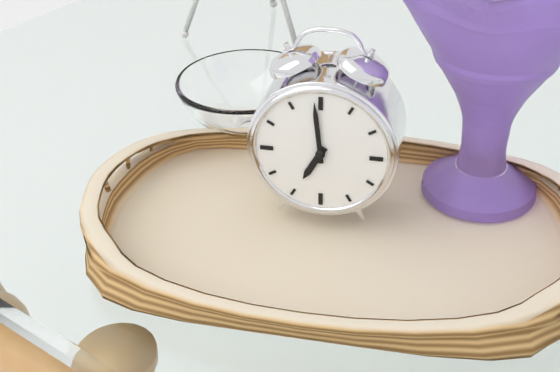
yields 6h59
